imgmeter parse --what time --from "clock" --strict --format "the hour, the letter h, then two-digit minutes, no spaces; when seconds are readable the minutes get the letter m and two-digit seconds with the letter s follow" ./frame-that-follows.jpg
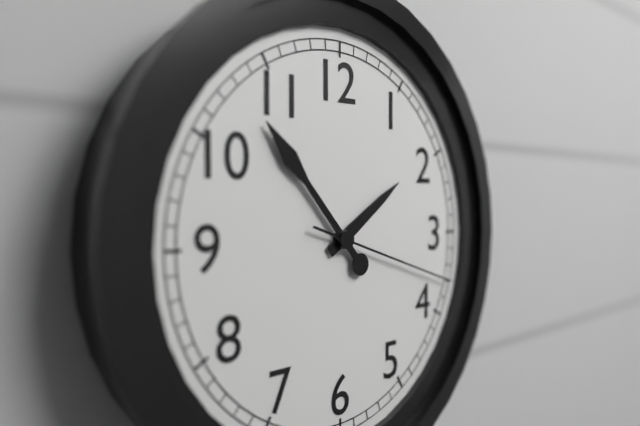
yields 1h53m18s
